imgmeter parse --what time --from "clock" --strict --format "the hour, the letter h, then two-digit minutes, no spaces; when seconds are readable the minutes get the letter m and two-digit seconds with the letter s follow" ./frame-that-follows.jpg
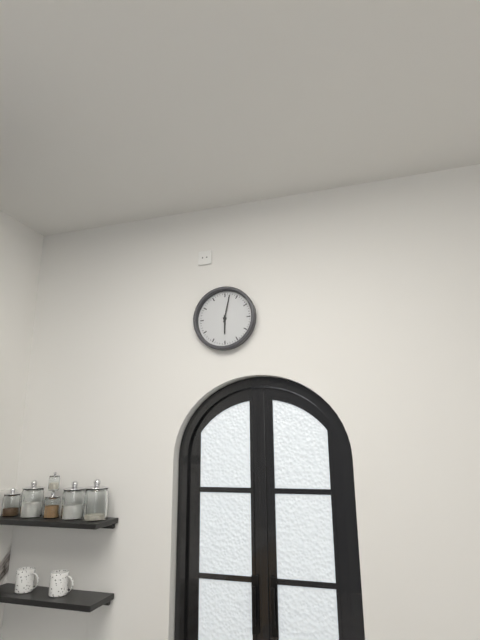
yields 6h02
